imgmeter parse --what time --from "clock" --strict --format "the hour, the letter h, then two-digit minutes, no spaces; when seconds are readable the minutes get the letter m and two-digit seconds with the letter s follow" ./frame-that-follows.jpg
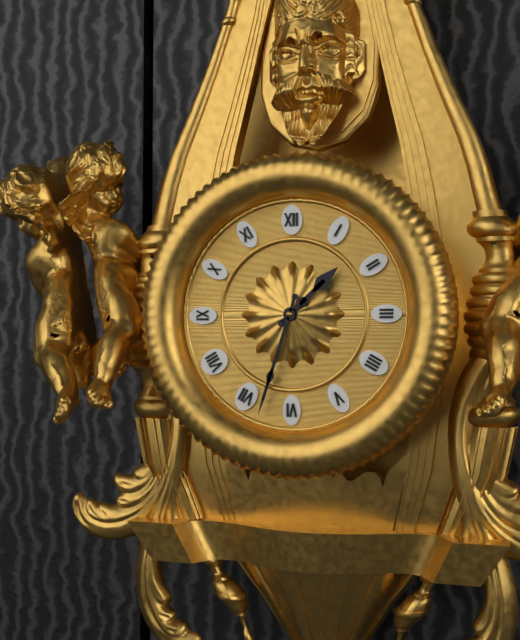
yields 1h33
